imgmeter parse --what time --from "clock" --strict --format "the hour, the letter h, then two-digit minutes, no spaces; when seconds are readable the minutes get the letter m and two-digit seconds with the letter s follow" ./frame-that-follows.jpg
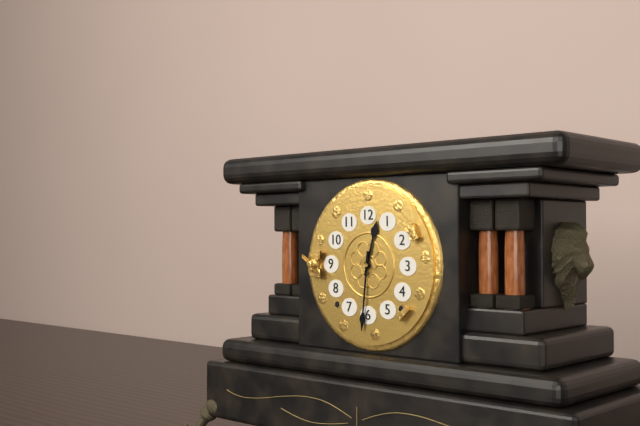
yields 12h31
